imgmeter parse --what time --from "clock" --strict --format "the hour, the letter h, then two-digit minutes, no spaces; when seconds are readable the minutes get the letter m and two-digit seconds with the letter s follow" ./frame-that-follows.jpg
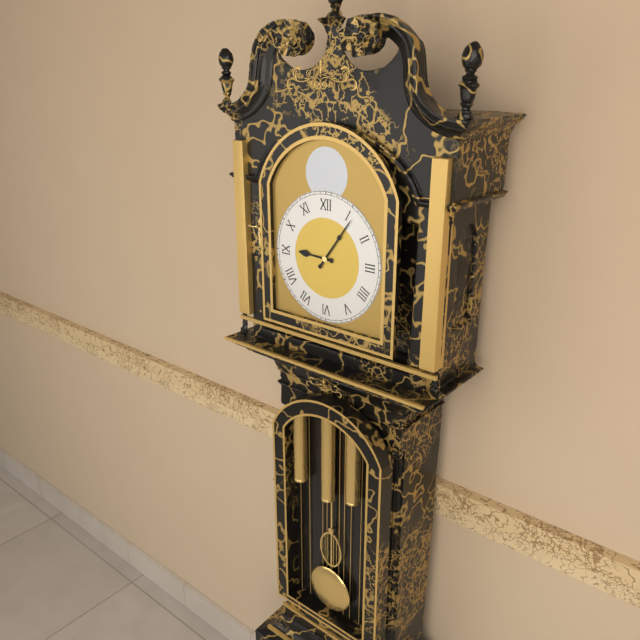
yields 9h06
